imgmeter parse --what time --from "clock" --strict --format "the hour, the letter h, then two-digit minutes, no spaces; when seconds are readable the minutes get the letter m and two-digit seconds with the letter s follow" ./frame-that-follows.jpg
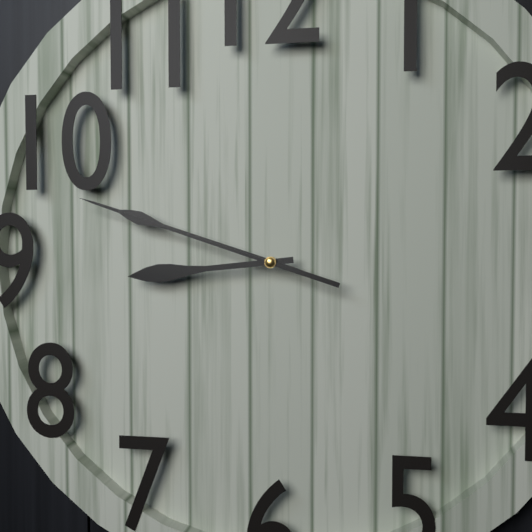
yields 8h48m48s
